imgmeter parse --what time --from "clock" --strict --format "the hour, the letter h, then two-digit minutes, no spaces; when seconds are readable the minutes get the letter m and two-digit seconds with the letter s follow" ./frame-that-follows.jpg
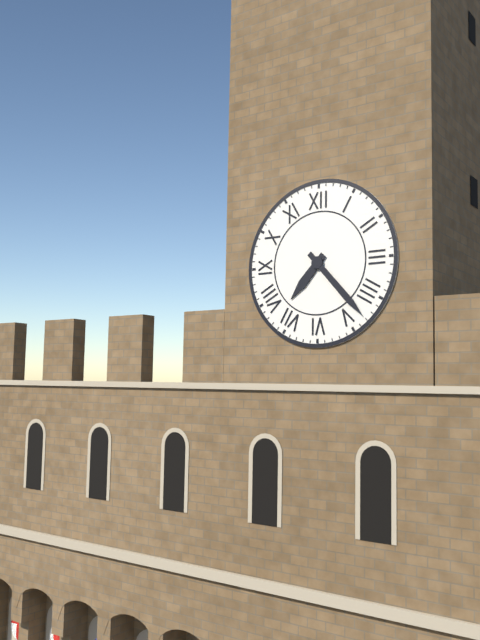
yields 7h23
